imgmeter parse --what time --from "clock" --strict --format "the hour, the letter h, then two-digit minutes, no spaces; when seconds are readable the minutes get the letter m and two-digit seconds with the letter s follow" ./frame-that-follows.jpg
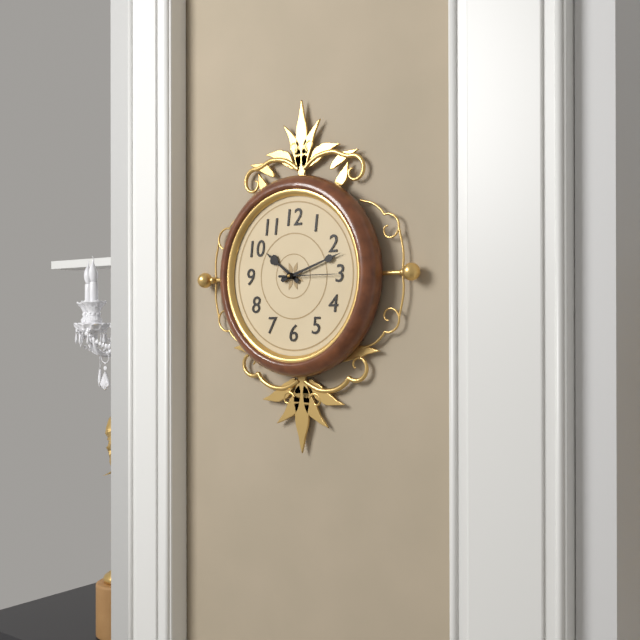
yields 10h12m15s
